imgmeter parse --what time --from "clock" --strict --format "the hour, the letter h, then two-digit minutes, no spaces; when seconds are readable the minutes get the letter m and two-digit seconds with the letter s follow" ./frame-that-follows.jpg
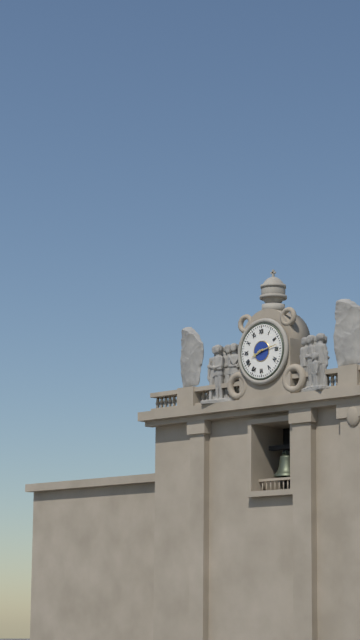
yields 8h13
